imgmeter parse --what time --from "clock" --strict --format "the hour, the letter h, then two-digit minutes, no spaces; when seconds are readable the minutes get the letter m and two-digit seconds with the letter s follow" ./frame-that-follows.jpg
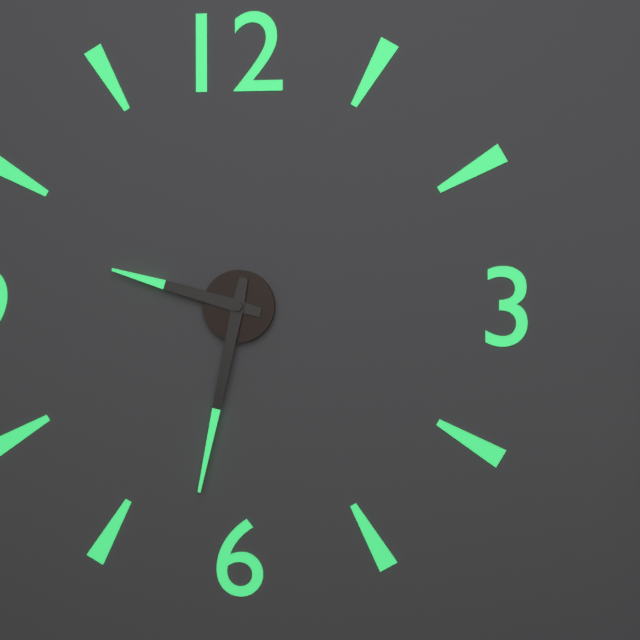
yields 9h32
